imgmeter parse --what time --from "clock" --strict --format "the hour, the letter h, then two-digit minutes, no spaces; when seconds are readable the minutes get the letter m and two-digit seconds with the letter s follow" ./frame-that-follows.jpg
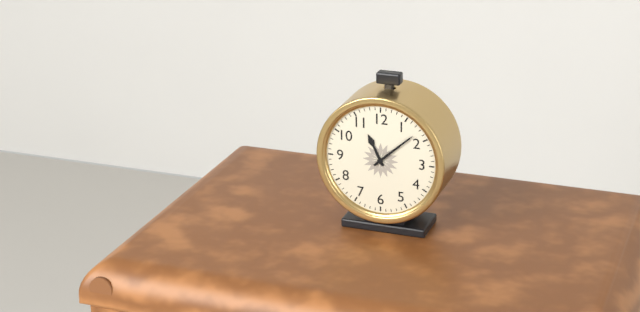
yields 11h08
